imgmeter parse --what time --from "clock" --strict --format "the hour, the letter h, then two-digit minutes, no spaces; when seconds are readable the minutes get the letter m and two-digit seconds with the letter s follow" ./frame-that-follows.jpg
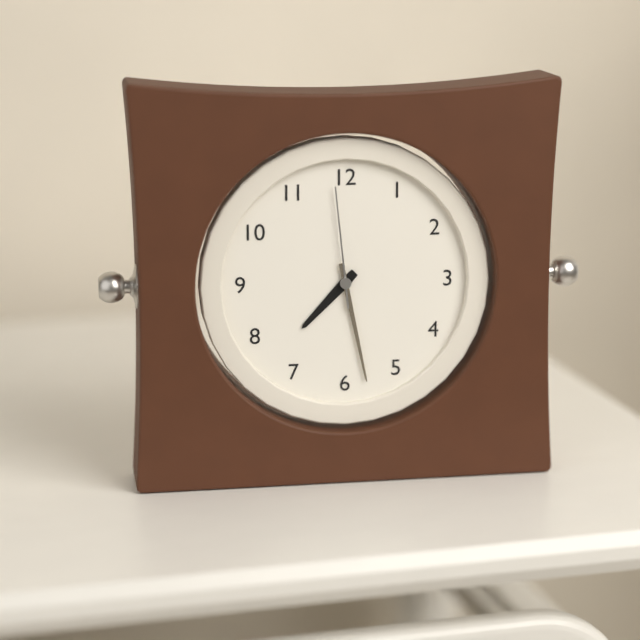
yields 7h28m59s
